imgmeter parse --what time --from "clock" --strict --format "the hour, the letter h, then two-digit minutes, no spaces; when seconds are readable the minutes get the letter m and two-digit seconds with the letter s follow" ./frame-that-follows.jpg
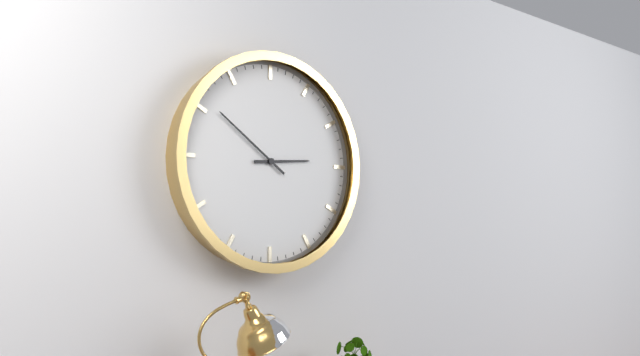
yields 2h51
